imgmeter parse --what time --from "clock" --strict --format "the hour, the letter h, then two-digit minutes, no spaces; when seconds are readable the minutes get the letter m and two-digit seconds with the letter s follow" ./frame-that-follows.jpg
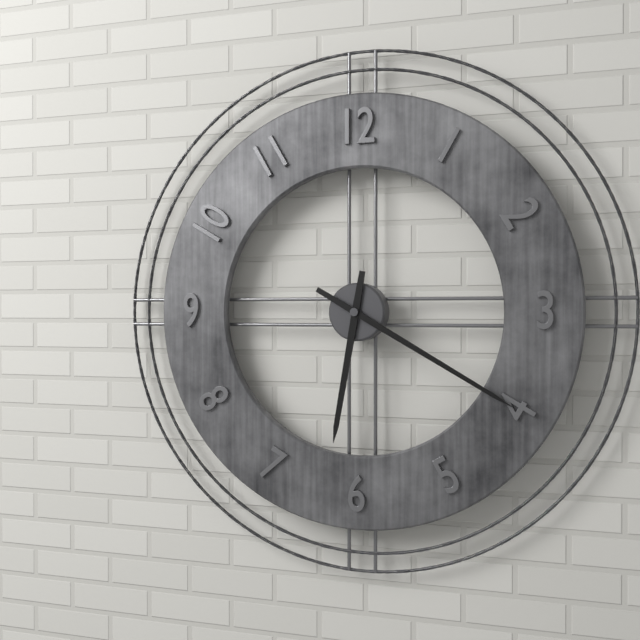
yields 6h20
